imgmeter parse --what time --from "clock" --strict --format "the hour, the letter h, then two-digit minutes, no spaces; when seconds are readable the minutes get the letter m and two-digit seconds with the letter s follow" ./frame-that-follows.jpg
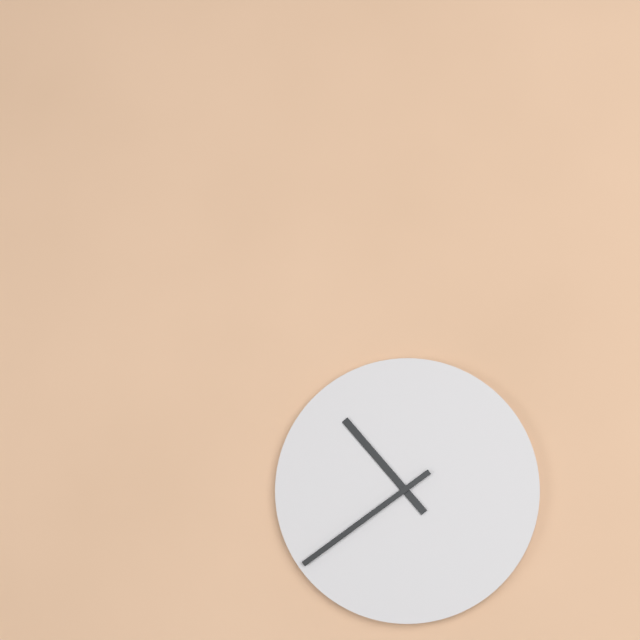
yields 10h39
